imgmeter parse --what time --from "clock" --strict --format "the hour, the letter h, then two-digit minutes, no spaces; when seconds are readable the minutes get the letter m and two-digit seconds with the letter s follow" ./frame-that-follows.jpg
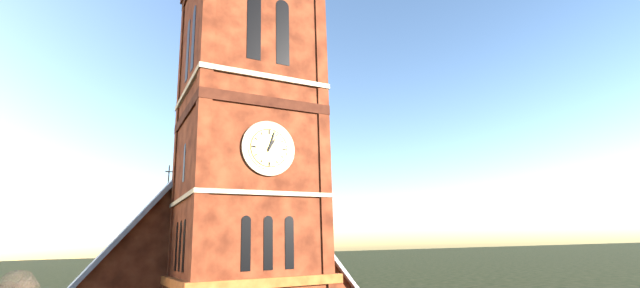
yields 1h03
